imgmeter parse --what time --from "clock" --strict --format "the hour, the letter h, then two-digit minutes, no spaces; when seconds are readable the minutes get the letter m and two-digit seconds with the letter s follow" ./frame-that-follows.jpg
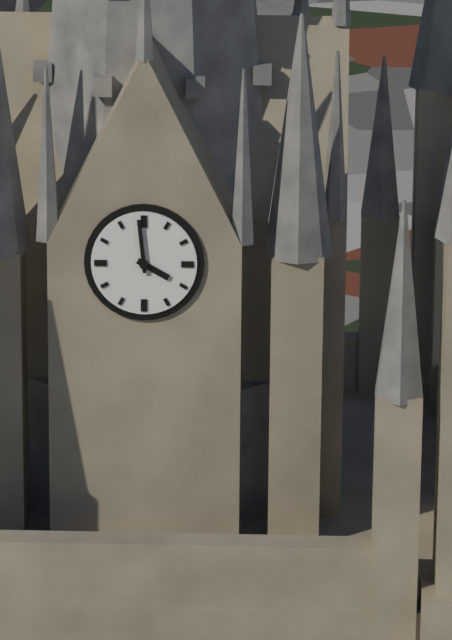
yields 3h59
